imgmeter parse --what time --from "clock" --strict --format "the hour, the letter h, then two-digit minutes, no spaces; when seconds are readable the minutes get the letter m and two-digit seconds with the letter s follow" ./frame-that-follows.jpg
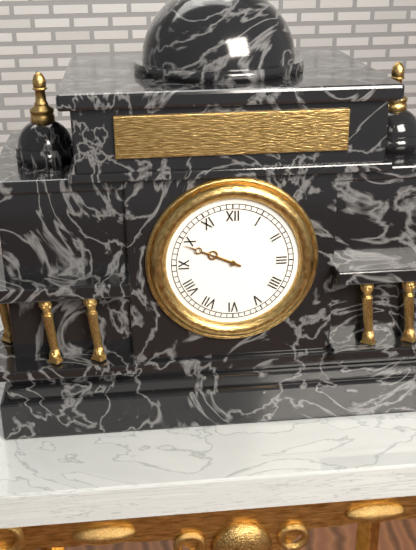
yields 9h49
